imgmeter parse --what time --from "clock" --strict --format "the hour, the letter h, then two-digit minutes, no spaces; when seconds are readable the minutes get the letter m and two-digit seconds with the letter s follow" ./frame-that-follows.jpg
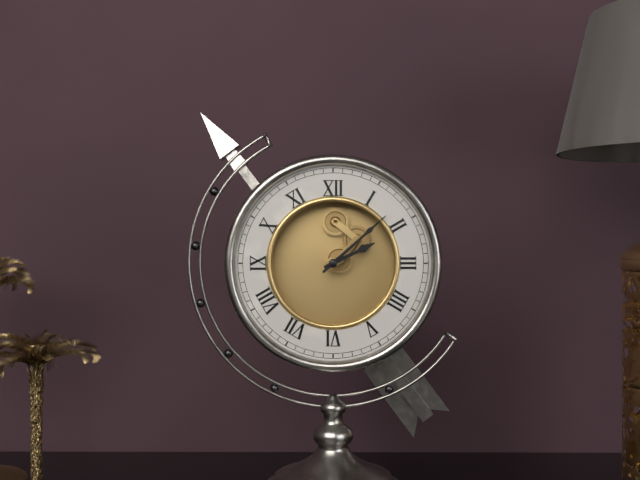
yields 2h08
